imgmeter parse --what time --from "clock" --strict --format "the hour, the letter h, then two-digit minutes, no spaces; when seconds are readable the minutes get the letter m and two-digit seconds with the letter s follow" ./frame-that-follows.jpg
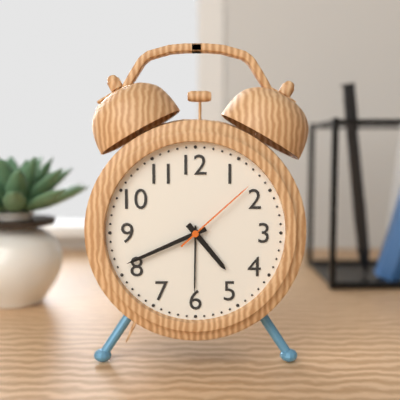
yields 4h41m08s
